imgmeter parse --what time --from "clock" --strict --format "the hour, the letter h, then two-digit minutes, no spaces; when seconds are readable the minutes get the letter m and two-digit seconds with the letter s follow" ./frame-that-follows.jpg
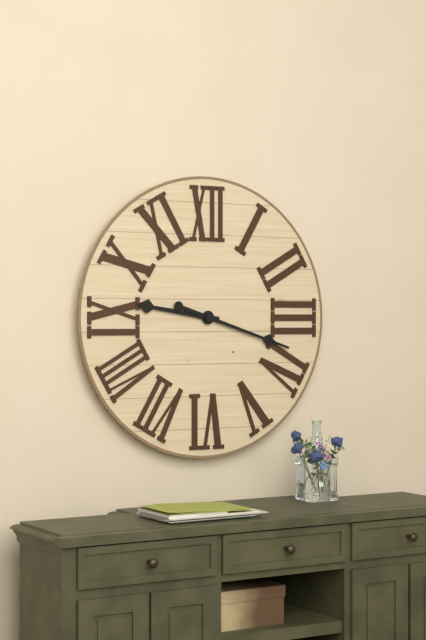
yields 9h18
